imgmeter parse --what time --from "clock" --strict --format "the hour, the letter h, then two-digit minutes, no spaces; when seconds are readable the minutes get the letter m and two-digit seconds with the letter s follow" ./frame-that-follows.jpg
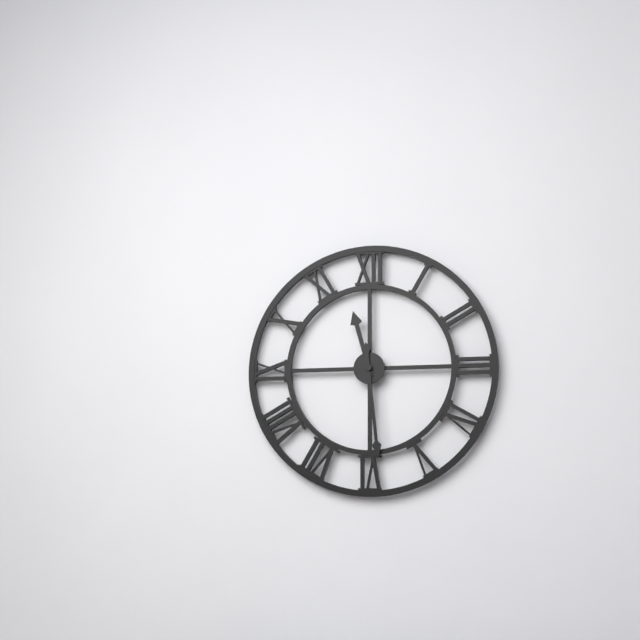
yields 11h29
